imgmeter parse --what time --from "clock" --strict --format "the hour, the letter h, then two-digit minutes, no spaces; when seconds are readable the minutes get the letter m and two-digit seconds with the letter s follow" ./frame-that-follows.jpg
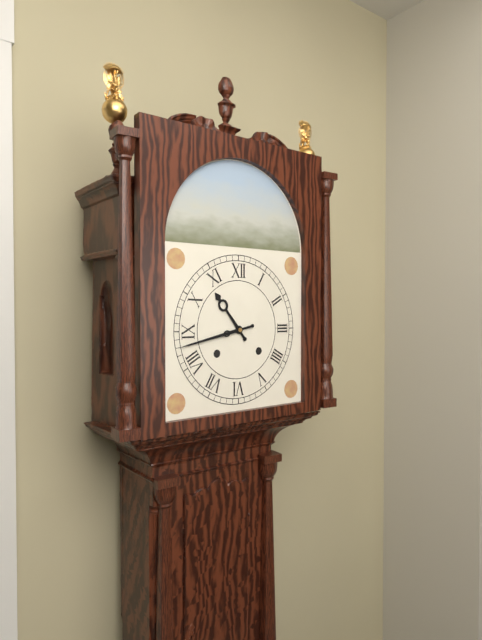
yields 10h43
